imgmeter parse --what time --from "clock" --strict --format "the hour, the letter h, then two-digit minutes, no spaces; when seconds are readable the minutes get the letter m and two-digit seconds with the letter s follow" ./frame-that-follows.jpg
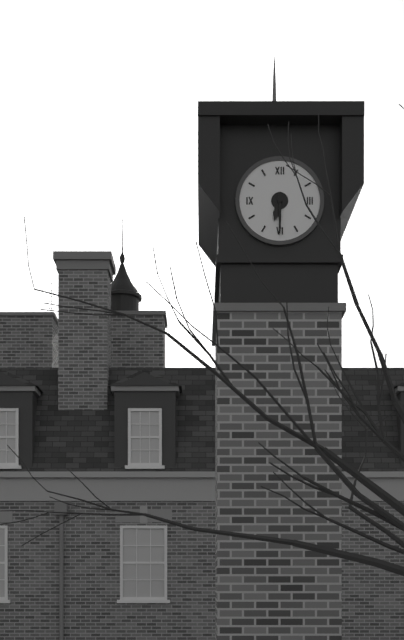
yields 6h30
